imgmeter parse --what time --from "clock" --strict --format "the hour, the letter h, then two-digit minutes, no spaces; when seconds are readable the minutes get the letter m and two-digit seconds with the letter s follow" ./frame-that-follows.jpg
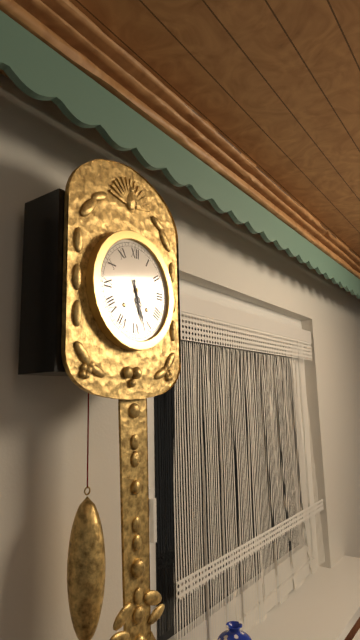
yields 5h27
